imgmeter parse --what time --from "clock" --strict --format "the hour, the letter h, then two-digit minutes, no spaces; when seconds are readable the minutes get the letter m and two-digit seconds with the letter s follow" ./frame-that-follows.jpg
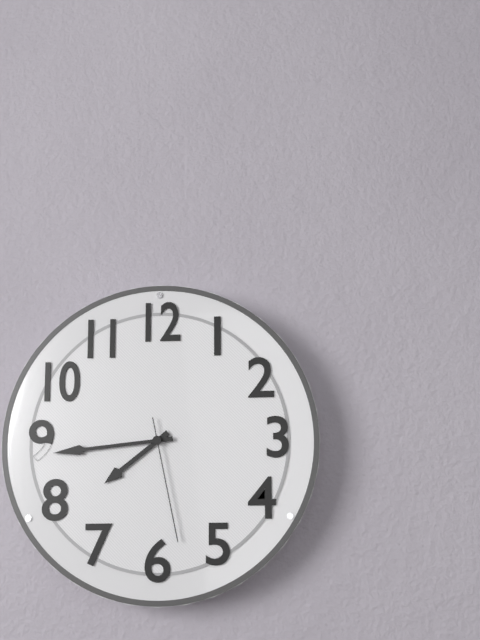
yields 7h44m28s
